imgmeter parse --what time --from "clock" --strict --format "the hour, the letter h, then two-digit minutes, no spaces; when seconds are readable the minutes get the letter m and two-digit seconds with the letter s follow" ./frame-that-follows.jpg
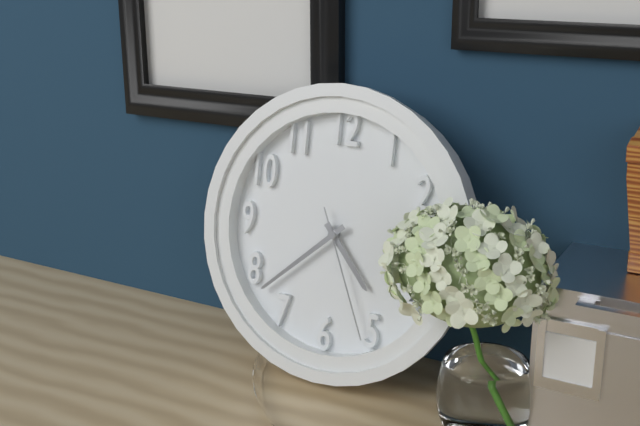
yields 4h38m26s
